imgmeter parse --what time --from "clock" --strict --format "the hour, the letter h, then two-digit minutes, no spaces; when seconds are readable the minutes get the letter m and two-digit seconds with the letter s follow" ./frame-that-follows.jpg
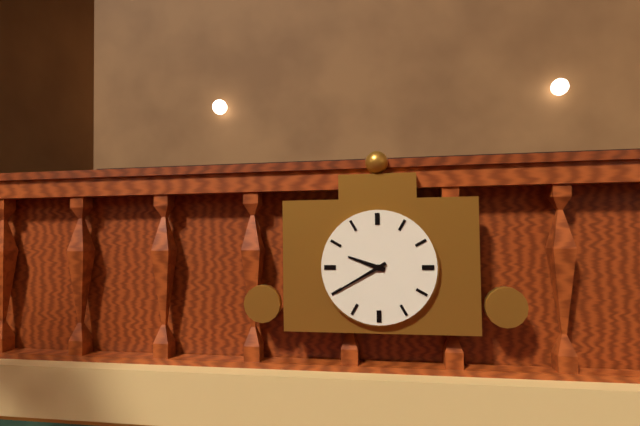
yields 9h40
